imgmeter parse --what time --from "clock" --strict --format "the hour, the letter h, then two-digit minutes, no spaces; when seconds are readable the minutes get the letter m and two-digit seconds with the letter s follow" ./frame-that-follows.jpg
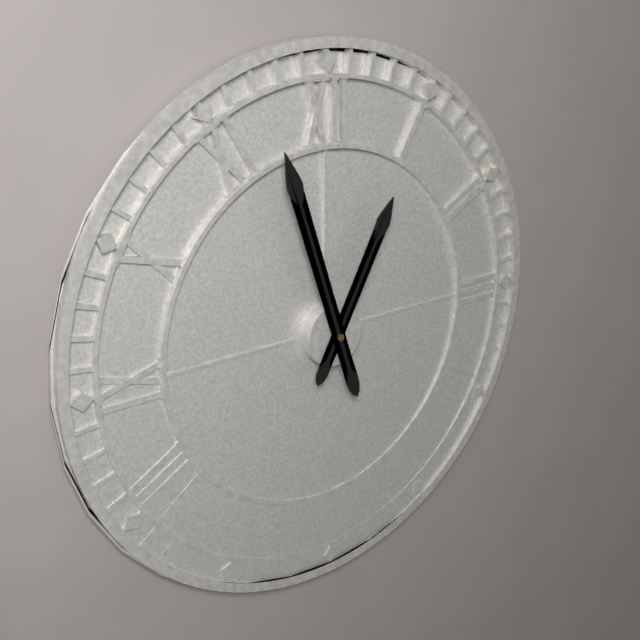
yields 12h57
